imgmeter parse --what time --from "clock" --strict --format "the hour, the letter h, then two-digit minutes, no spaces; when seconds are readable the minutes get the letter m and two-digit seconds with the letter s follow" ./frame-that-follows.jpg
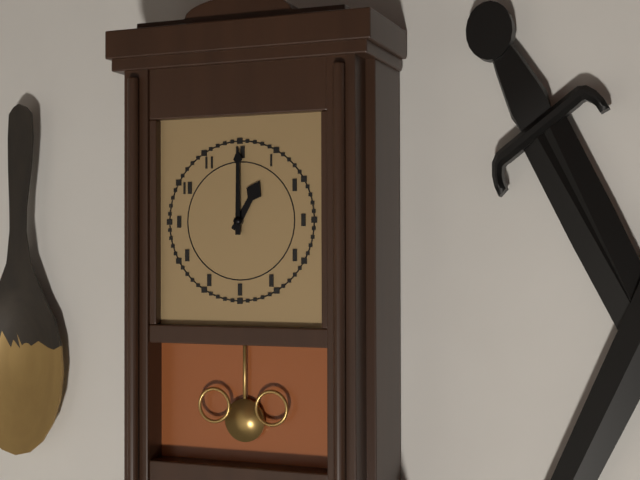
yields 1h00
